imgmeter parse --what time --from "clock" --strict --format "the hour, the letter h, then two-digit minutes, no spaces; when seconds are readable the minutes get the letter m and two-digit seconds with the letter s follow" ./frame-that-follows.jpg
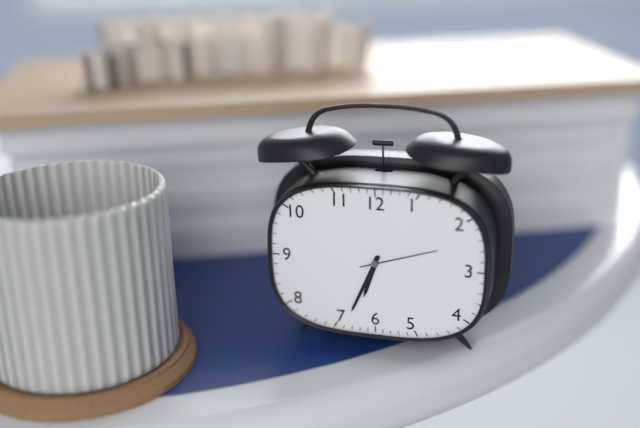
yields 6h34m12s
